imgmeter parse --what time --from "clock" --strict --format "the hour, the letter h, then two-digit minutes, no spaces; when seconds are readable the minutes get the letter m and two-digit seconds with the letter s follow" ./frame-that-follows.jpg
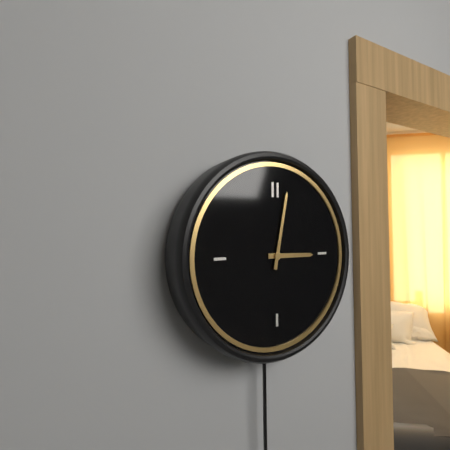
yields 3h02
